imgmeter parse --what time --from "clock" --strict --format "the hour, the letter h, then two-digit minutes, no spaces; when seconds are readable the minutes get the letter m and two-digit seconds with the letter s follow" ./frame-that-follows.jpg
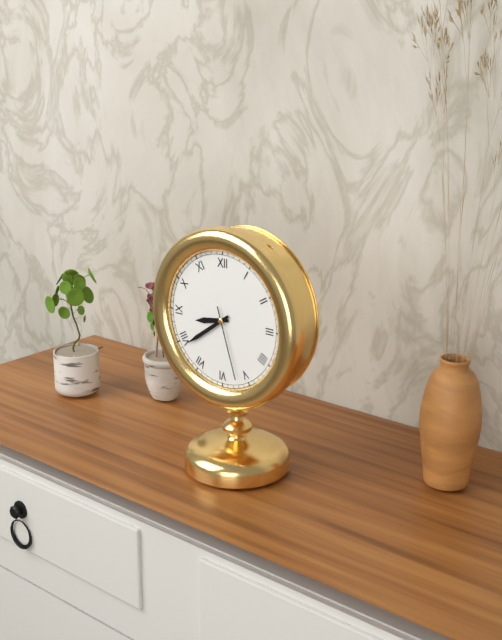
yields 8h39m27s
